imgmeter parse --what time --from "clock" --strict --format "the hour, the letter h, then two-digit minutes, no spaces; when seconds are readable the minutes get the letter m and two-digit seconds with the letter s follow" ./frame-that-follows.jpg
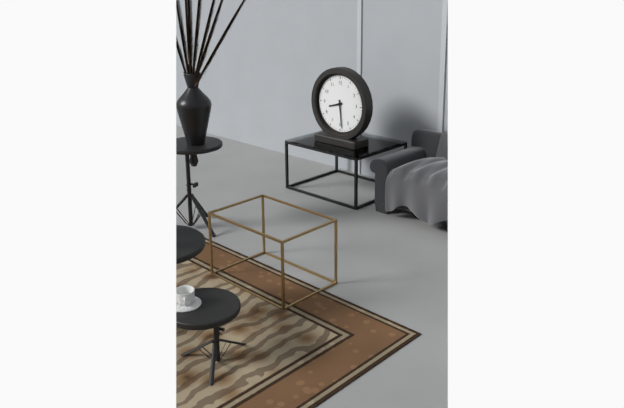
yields 8h29
